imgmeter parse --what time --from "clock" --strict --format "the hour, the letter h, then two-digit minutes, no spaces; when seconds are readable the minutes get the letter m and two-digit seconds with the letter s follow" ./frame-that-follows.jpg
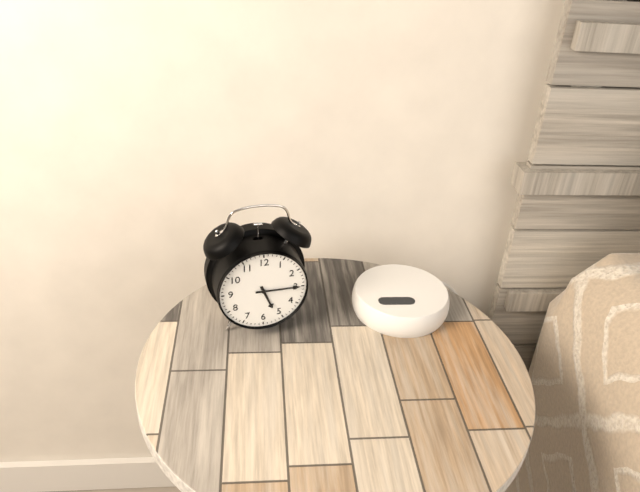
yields 5h15
